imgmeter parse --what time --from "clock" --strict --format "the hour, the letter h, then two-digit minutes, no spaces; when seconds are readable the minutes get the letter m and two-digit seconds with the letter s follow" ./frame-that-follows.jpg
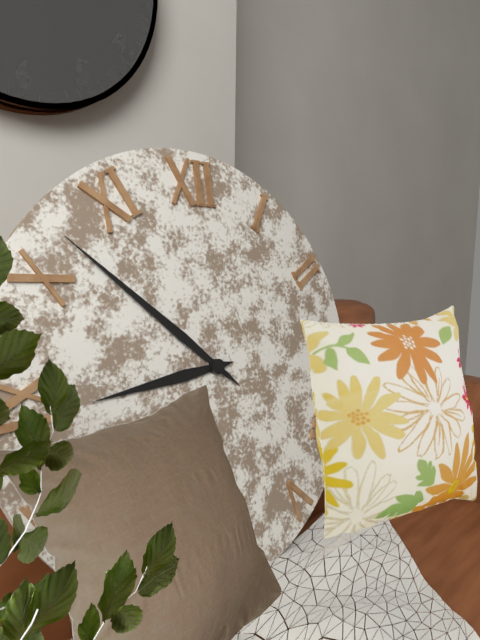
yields 8h52
